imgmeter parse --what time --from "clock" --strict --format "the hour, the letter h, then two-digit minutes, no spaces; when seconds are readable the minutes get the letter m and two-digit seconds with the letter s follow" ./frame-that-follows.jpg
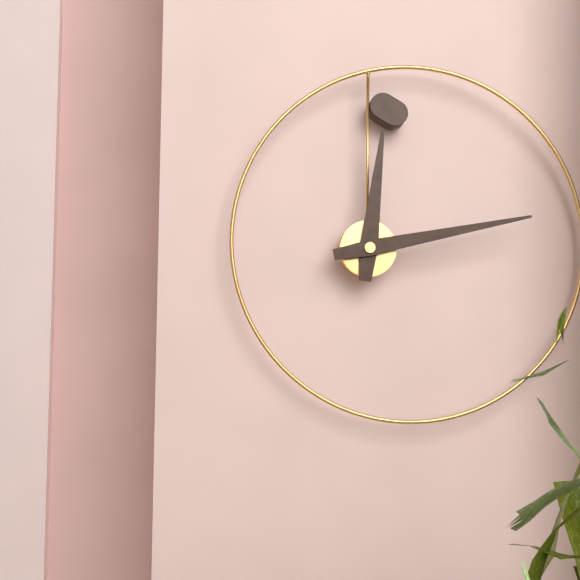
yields 12h13
